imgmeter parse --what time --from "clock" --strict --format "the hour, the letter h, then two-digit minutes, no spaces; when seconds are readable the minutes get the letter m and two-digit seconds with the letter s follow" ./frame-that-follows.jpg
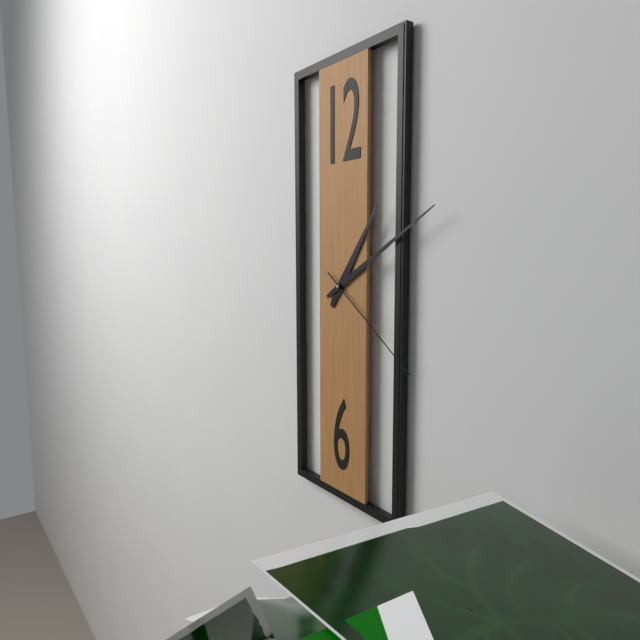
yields 1h10m21s
